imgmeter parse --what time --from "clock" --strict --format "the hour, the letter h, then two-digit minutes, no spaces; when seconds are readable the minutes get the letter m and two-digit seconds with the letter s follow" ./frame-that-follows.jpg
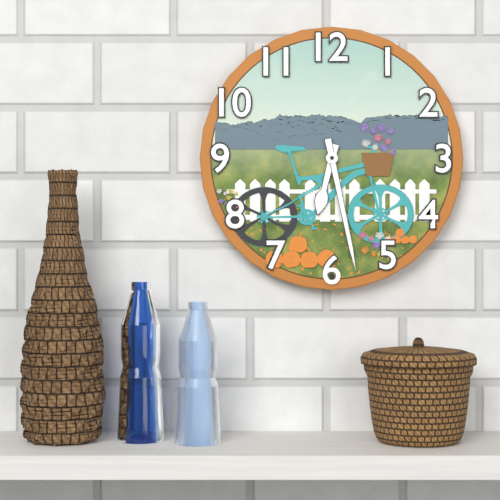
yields 6h28
